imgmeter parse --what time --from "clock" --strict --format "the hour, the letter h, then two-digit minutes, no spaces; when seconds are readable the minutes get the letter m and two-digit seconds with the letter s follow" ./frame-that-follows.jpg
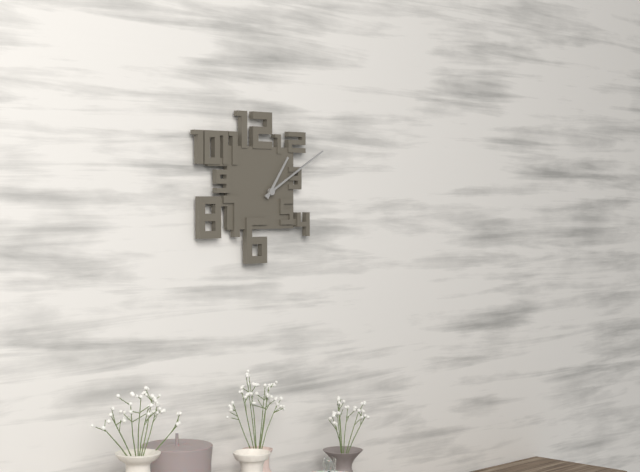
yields 1h10
